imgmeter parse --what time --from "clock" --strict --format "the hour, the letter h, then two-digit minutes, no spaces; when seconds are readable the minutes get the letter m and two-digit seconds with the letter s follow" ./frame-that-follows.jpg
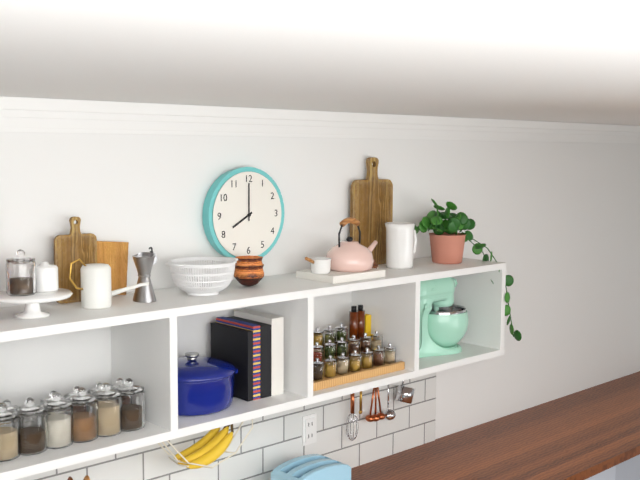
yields 8h00
